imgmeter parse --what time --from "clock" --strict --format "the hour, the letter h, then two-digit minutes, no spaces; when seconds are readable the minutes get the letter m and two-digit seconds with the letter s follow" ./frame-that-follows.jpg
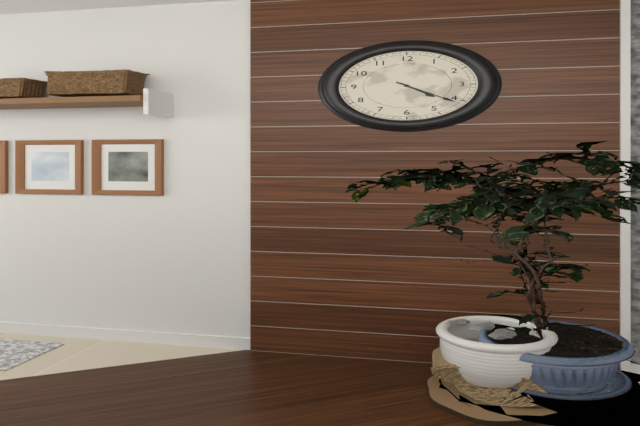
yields 4h21
